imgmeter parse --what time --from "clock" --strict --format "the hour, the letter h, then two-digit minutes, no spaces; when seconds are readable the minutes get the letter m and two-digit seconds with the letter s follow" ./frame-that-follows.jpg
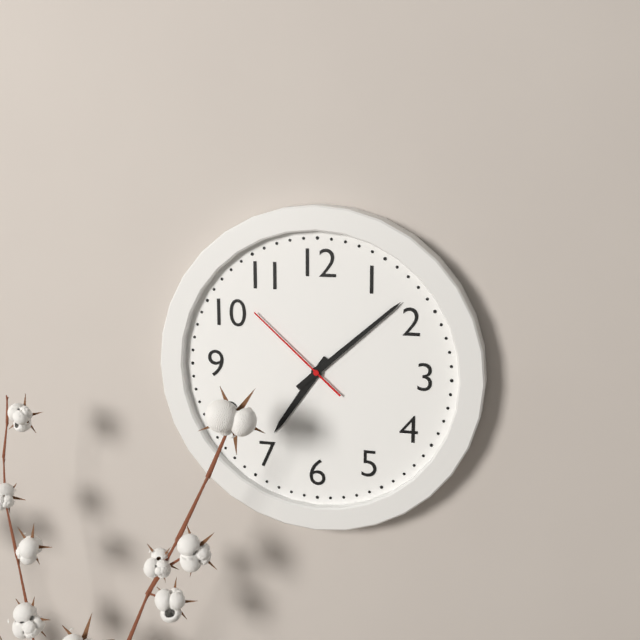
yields 7h08m52s
